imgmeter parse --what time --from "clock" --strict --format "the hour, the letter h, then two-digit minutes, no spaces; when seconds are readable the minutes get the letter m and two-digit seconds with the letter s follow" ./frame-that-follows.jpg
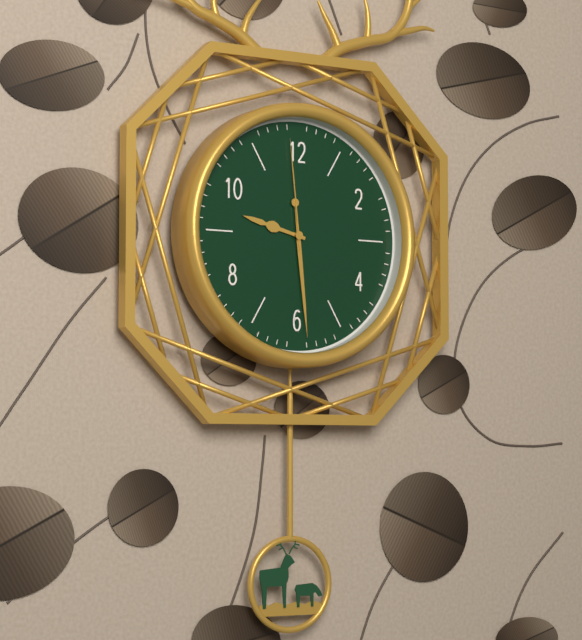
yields 9h29m59s
